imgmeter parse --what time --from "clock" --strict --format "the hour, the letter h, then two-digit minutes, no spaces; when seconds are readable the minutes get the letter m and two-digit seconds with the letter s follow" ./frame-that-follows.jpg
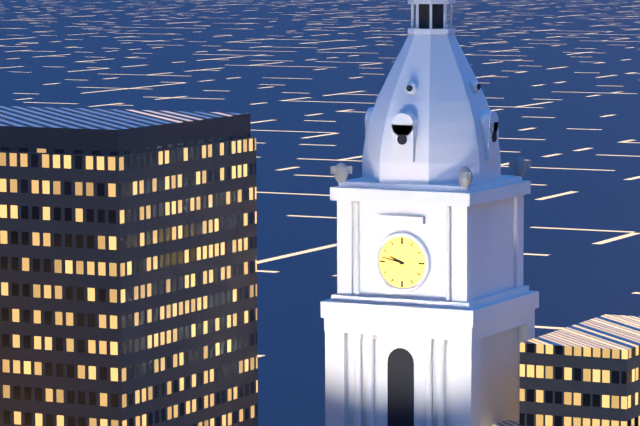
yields 9h47
